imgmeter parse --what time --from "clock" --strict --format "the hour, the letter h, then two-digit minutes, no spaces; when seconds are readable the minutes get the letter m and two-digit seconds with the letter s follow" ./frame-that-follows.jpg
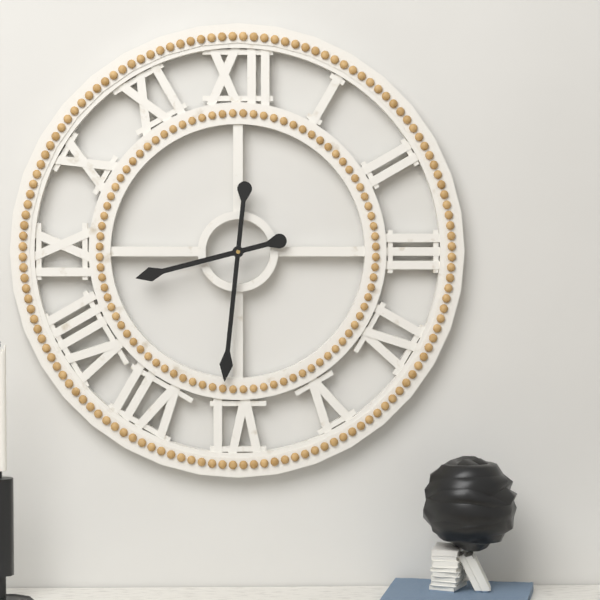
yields 8h31
